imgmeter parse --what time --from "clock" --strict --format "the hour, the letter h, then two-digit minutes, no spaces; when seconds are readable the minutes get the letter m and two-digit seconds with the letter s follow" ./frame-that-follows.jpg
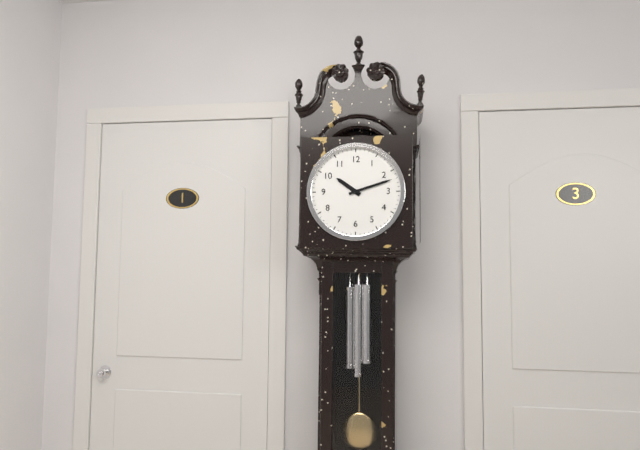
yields 10h12
